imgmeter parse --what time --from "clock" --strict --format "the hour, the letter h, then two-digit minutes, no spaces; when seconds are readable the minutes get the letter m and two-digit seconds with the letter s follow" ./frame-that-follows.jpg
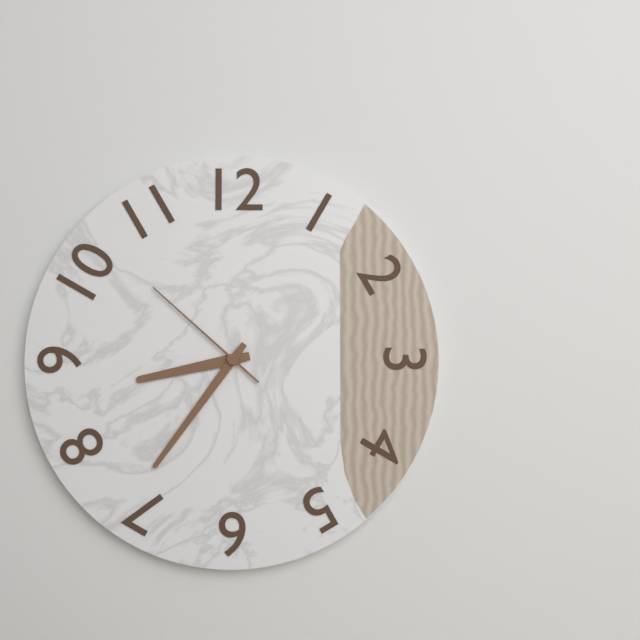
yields 8h36m52s
